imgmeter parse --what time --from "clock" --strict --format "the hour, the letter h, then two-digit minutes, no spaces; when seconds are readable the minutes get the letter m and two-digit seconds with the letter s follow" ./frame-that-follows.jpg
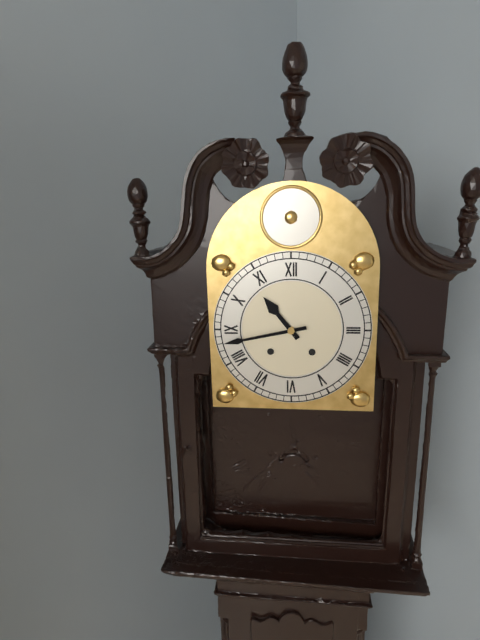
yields 10h43
